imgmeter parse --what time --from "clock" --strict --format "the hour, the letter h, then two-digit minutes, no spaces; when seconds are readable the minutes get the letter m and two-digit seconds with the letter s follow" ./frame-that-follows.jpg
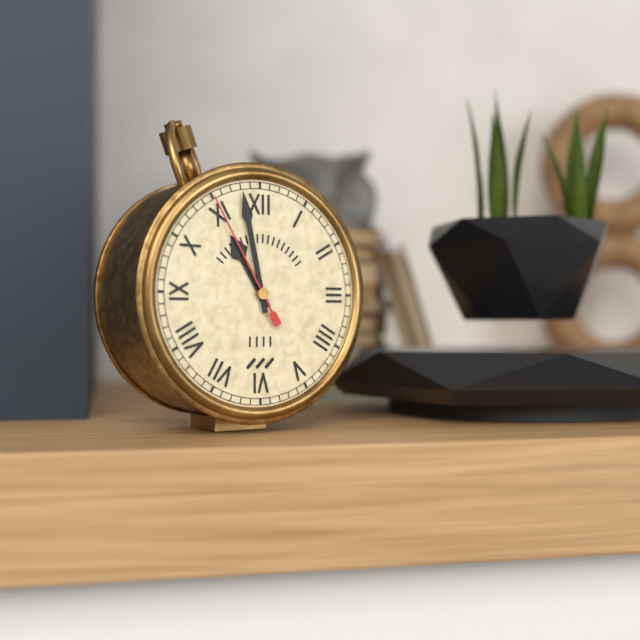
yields 10h58m55s
